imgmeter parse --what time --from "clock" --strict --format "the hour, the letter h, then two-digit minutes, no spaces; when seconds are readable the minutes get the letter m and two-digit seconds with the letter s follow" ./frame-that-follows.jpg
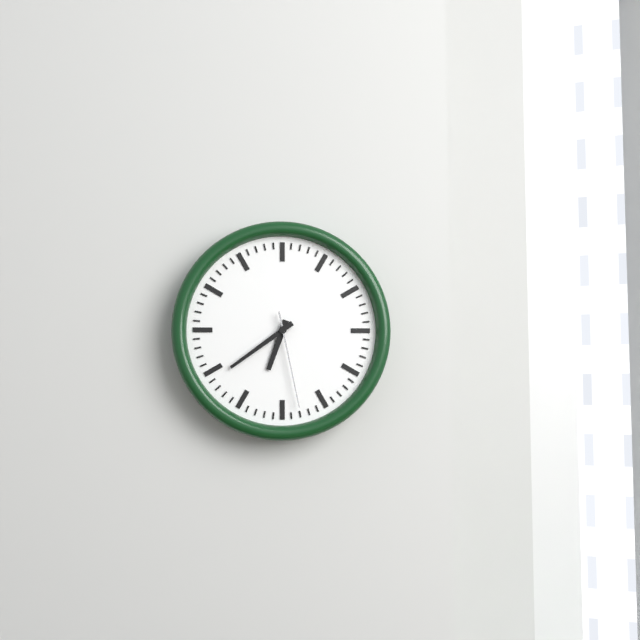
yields 6h39m28s
